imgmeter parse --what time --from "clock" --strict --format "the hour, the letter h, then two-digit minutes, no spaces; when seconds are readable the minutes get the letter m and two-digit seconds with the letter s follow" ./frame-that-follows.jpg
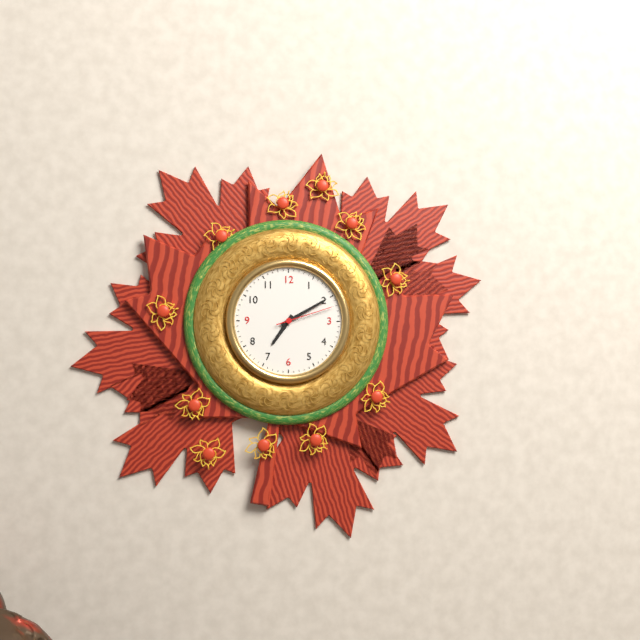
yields 7h10m12s
